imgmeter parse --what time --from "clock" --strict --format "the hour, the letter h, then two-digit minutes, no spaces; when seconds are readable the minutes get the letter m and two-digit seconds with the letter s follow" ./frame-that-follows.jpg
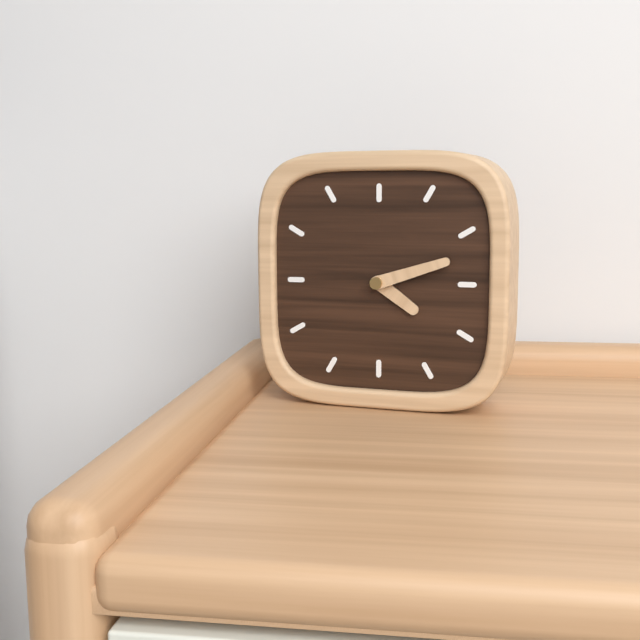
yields 4h12
